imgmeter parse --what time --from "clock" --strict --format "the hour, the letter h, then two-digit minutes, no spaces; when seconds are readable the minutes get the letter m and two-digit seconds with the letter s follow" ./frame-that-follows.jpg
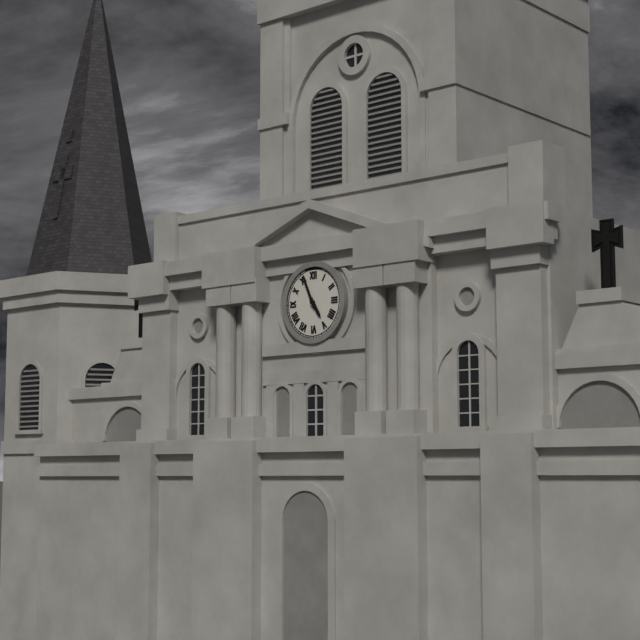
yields 4h56
